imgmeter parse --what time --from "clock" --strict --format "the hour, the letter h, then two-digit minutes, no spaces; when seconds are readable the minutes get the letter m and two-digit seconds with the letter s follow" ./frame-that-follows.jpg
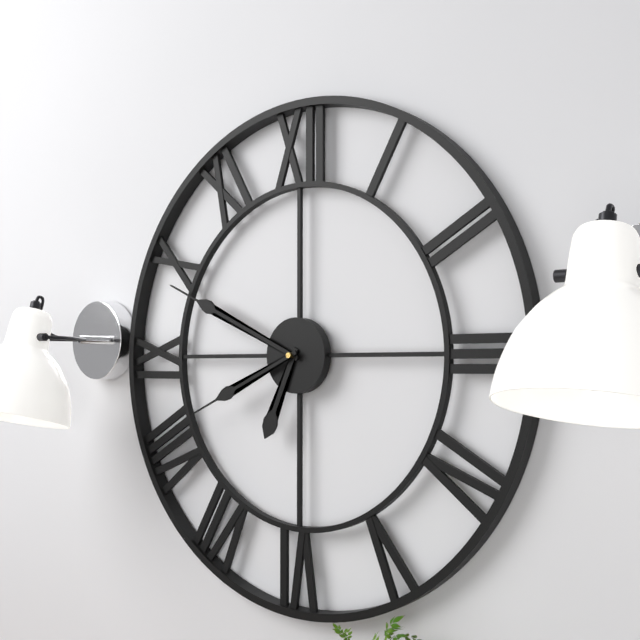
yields 6h49m41s
